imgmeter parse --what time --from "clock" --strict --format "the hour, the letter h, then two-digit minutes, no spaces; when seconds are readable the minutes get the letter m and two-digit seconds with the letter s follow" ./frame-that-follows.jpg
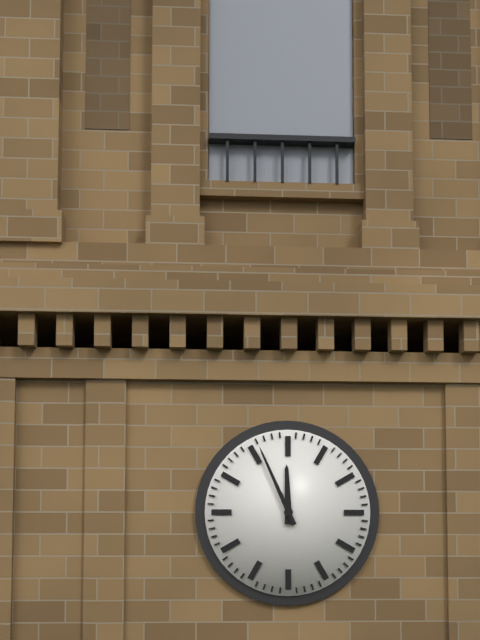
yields 11h56
